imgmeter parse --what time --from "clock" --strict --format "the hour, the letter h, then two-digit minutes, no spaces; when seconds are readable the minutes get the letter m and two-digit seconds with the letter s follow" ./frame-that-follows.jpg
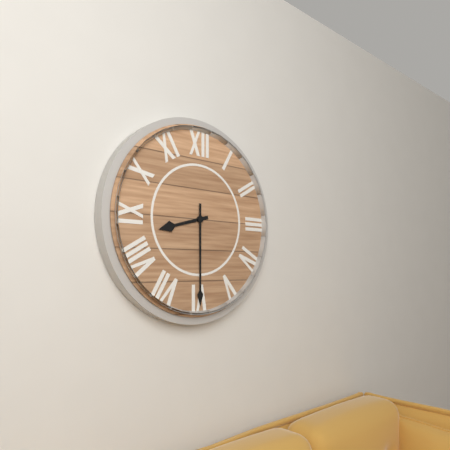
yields 8h30
